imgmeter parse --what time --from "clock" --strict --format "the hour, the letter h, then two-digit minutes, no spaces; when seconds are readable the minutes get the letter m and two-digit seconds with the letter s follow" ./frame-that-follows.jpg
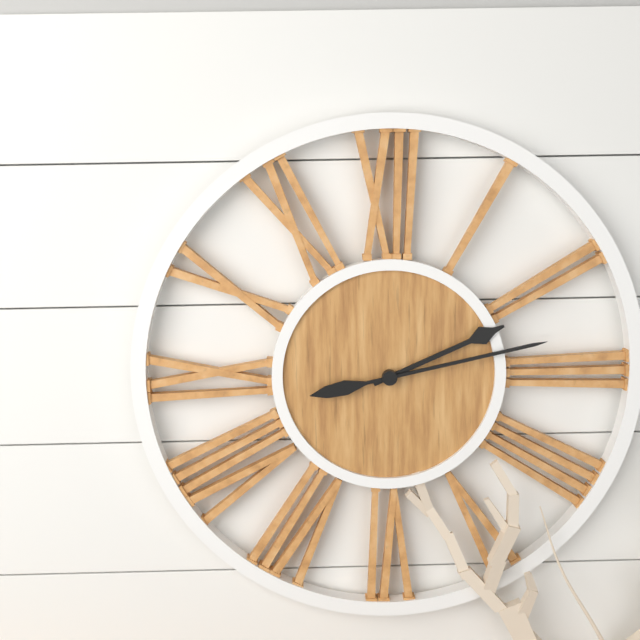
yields 2h13
